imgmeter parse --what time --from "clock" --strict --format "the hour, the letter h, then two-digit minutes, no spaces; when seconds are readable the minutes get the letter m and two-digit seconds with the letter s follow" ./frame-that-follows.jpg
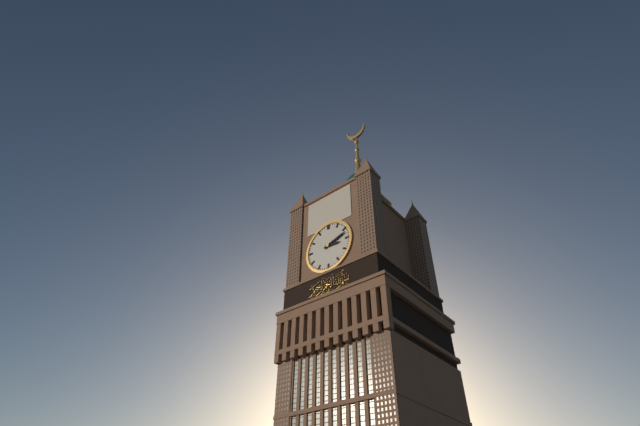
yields 3h12
